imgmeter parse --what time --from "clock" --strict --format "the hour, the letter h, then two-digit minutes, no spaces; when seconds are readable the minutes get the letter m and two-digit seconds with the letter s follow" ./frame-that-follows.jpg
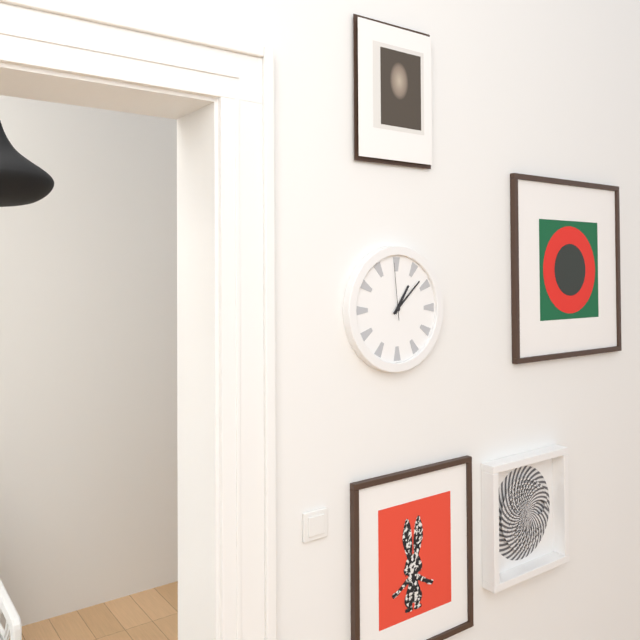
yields 1h08m59s
